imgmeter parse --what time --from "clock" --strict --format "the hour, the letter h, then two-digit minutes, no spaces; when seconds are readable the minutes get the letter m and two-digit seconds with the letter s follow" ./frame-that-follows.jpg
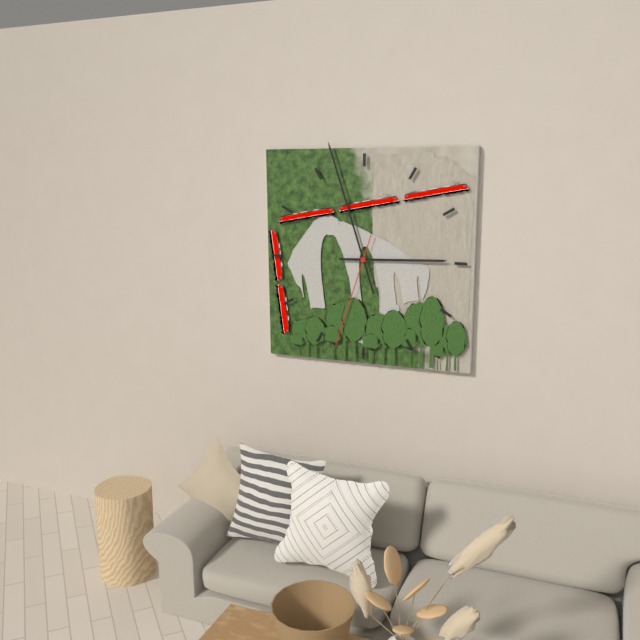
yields 2h57m33s
